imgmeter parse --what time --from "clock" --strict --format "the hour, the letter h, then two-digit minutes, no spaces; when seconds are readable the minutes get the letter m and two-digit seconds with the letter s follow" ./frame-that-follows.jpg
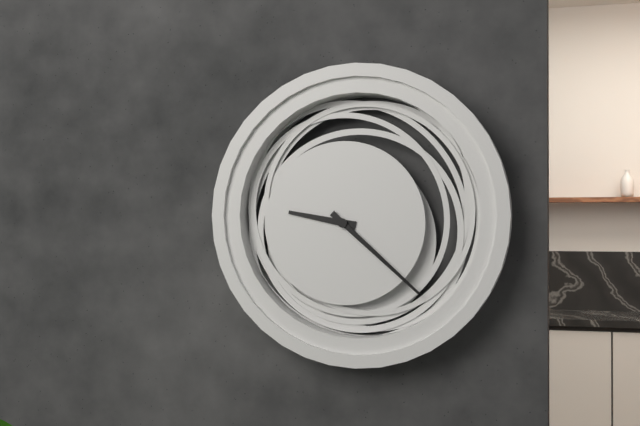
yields 9h22
